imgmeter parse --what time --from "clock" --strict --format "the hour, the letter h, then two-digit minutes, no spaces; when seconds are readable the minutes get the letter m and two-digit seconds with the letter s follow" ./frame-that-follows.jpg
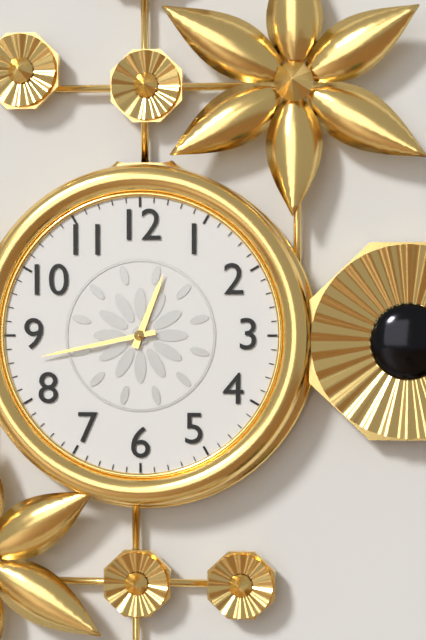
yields 12h43
